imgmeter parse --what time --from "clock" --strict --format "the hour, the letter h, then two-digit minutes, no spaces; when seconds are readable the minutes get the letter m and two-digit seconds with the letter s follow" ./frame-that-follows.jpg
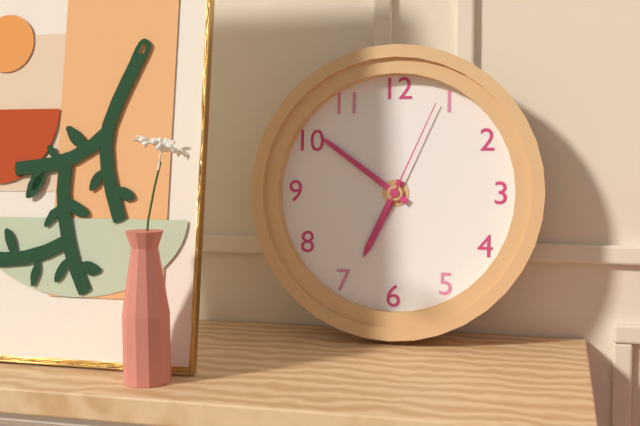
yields 6h51m04s
